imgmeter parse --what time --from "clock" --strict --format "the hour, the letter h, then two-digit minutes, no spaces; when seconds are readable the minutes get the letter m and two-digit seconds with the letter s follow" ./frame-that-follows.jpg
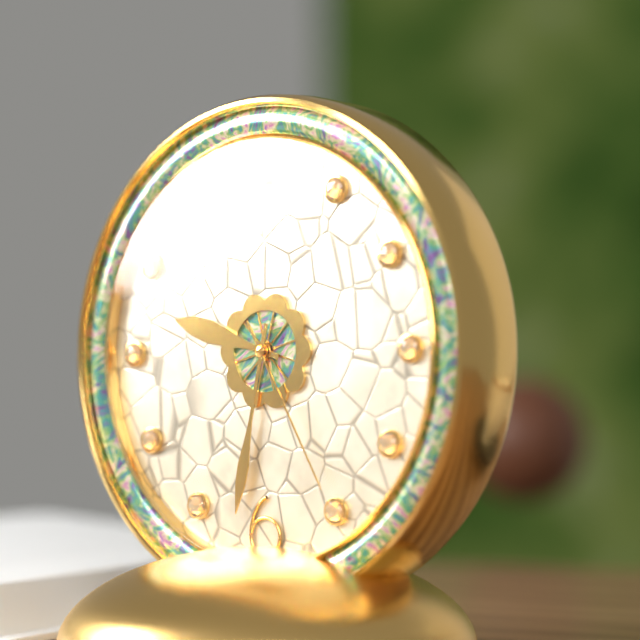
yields 9h32m25s
